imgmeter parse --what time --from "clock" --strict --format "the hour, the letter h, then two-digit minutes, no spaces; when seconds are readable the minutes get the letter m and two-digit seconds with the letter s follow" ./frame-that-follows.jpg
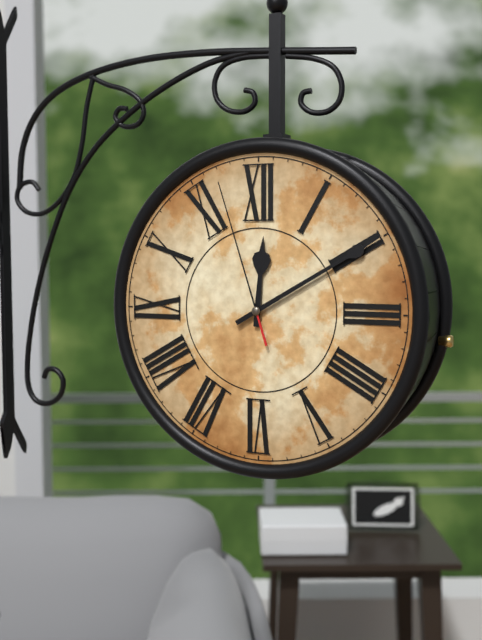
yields 12h10m57s
